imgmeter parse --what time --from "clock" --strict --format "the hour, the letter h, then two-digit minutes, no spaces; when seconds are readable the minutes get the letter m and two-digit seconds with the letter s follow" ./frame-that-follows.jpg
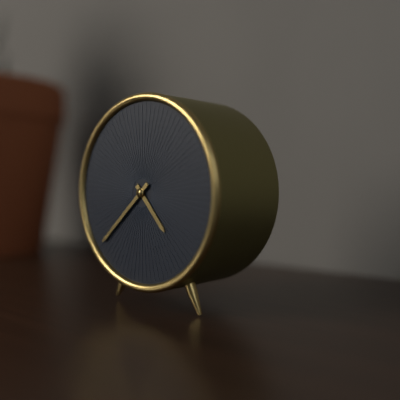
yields 4h38
